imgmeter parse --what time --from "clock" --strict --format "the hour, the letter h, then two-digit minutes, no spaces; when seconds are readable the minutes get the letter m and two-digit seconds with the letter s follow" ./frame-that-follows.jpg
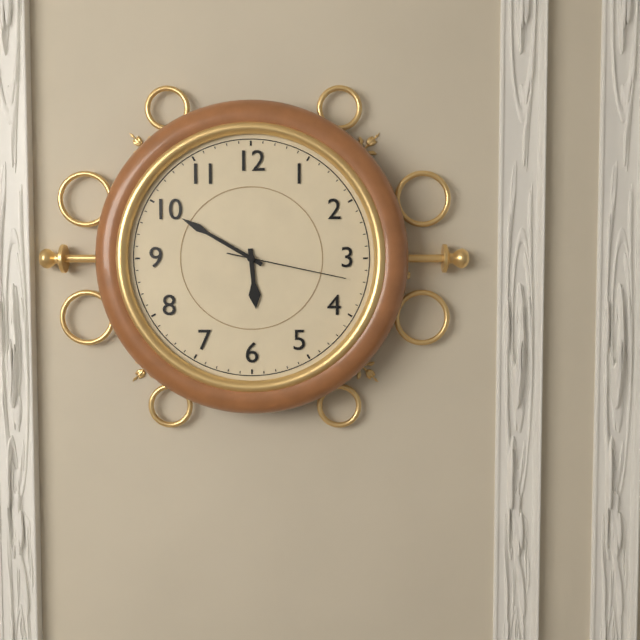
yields 5h50m17s
